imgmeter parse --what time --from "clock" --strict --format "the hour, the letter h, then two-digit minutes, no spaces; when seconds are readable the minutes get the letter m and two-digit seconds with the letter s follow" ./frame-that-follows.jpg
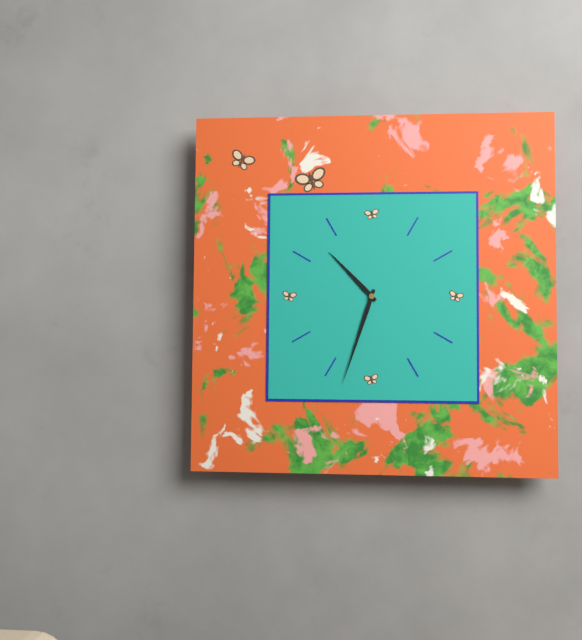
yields 10h33
